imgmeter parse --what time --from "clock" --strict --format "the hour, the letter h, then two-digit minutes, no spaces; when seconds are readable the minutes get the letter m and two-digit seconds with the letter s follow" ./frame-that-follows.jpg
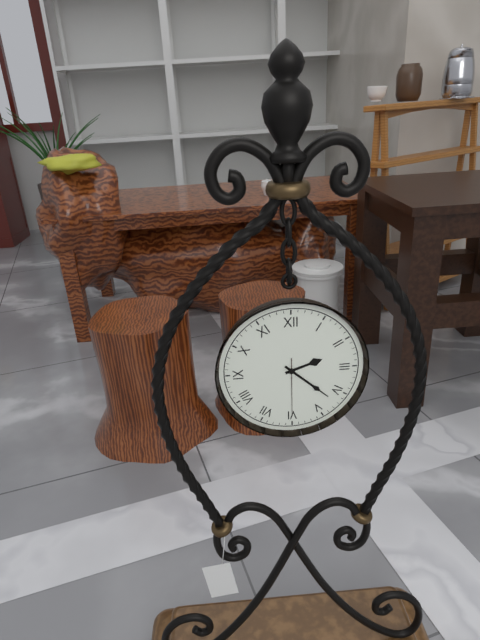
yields 2h22m30s
